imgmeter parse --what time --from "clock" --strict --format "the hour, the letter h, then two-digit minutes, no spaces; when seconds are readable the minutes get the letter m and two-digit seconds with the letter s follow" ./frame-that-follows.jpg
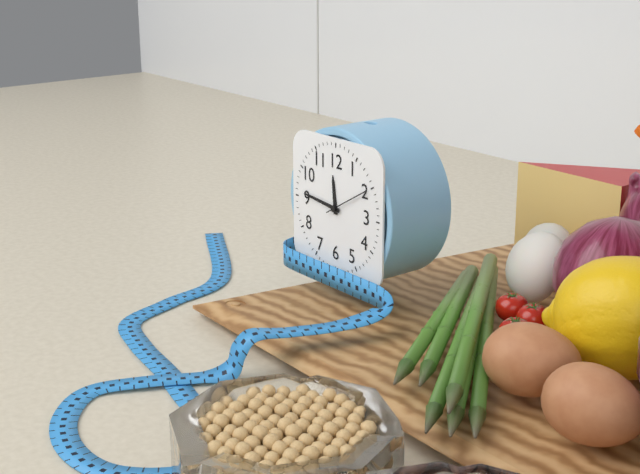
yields 11h46
